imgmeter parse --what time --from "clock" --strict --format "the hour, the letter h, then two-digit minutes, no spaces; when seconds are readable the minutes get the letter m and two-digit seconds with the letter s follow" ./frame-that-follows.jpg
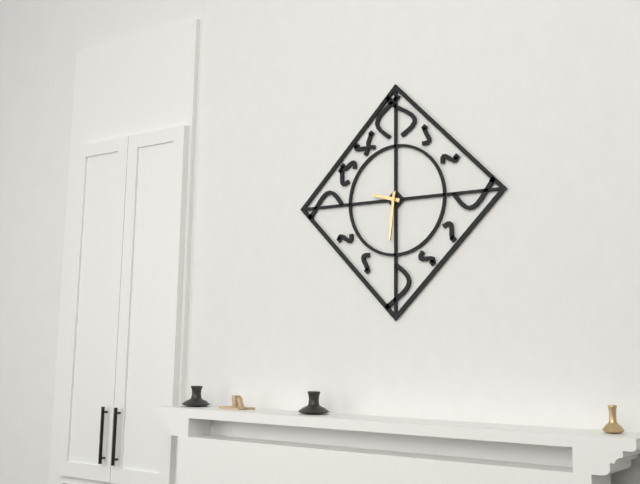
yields 9h31
